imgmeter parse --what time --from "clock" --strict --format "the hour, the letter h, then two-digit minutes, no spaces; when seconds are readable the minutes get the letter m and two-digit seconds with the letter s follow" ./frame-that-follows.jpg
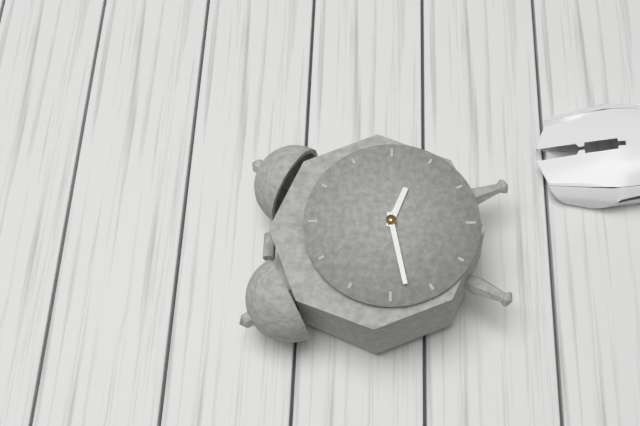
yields 3h43
